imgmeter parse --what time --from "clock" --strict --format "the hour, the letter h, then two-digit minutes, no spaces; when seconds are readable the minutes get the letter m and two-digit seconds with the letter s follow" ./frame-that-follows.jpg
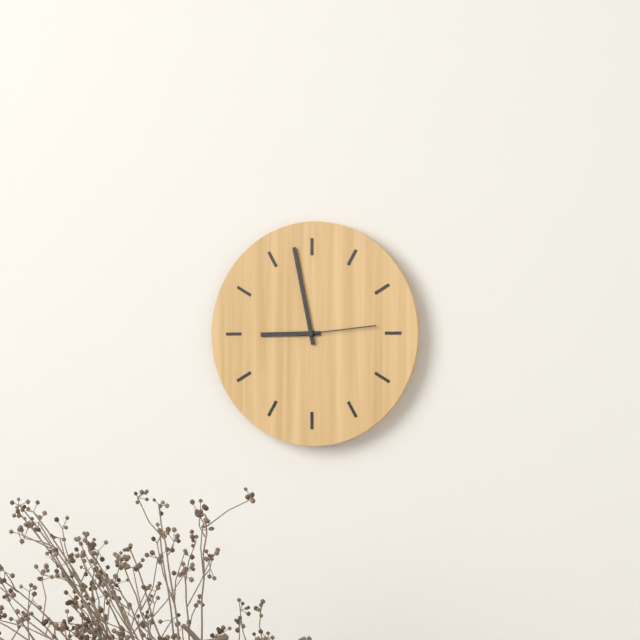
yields 8h58m14s
